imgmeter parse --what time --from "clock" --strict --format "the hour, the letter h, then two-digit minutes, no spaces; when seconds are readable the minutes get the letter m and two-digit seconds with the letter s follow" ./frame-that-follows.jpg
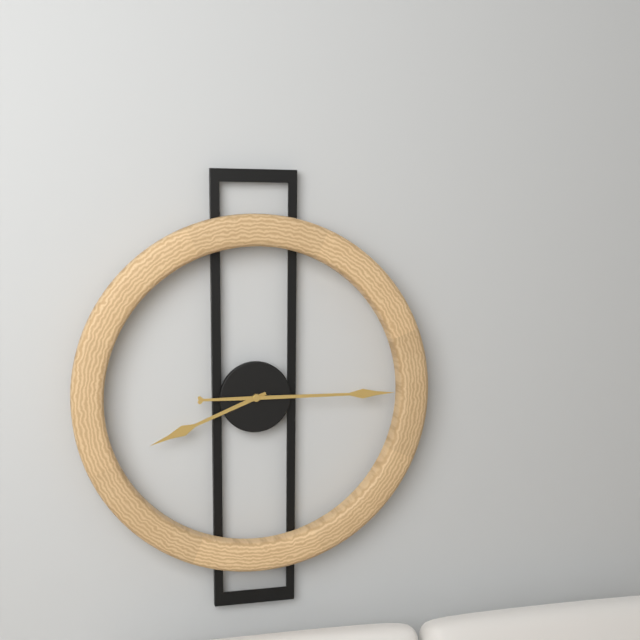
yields 8h15
